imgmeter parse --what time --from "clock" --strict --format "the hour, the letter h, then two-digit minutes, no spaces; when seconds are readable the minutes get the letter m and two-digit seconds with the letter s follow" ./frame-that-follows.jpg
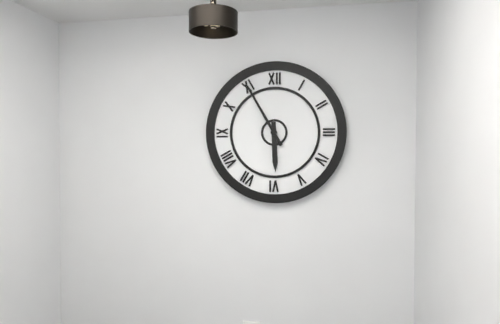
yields 5h55
